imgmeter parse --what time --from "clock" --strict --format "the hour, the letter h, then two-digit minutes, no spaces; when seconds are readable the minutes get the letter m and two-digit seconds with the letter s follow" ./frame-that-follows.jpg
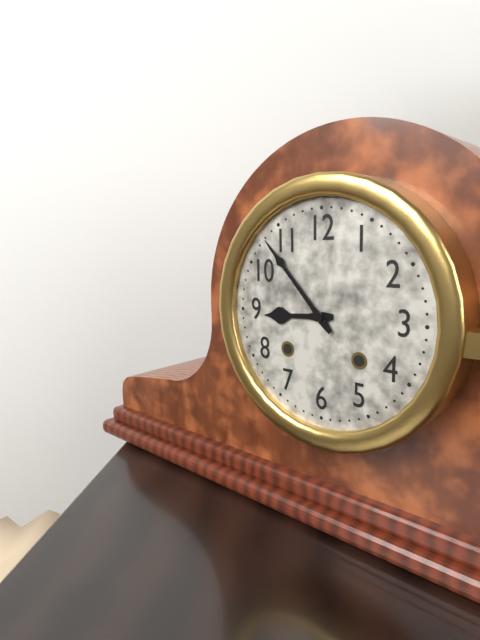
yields 8h53
